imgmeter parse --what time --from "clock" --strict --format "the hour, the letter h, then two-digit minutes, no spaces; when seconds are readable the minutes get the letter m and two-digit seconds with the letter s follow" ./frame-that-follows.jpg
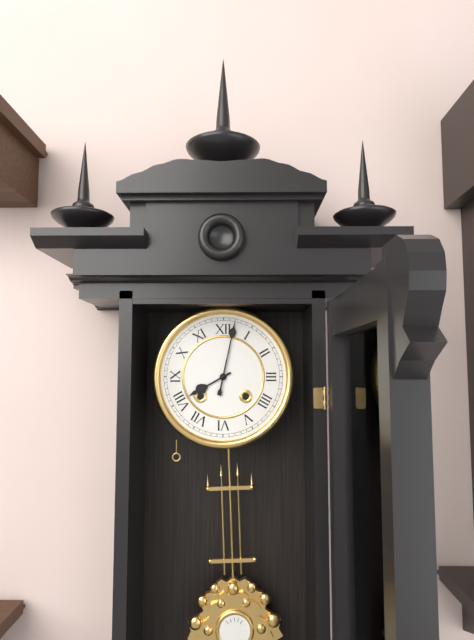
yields 8h02
